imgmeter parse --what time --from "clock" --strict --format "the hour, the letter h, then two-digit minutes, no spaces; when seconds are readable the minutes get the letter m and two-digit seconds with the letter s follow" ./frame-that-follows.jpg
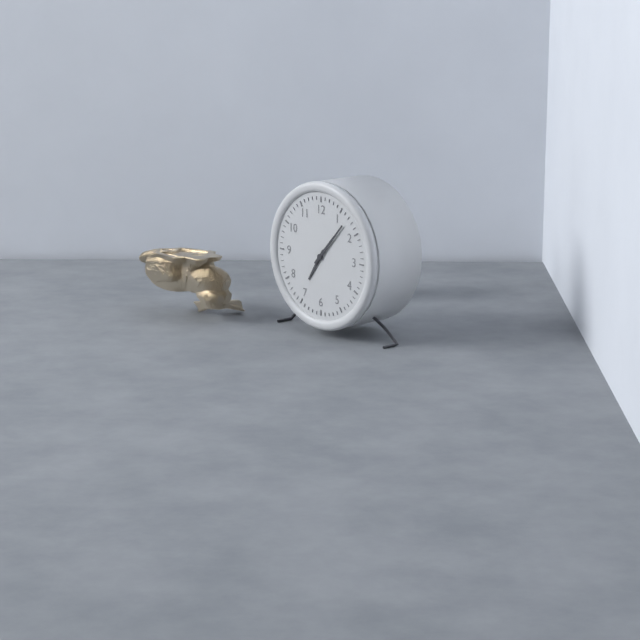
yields 7h07
